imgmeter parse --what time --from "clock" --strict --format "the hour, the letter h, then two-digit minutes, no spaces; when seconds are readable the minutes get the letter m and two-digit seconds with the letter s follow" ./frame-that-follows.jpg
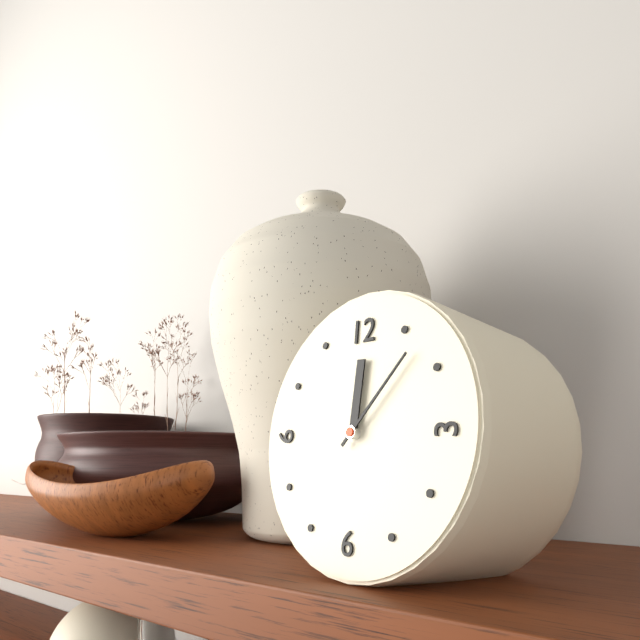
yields 12h07
